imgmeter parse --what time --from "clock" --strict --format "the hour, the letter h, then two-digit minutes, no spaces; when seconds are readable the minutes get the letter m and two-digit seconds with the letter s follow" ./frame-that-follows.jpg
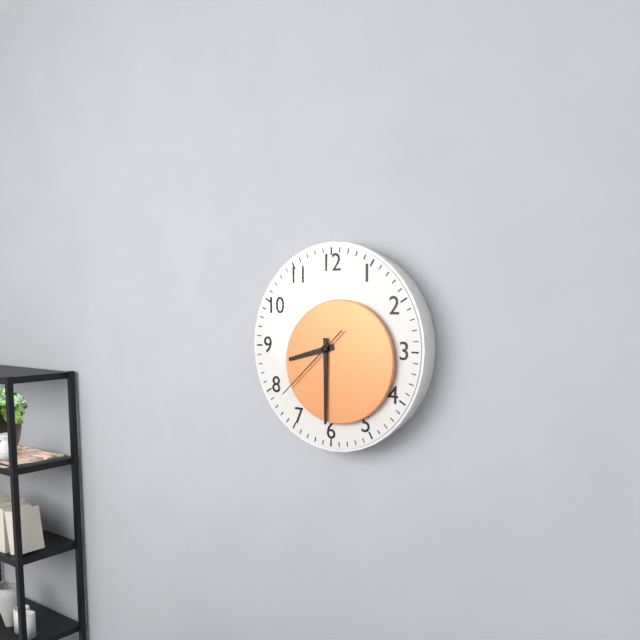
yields 8h30m38s
